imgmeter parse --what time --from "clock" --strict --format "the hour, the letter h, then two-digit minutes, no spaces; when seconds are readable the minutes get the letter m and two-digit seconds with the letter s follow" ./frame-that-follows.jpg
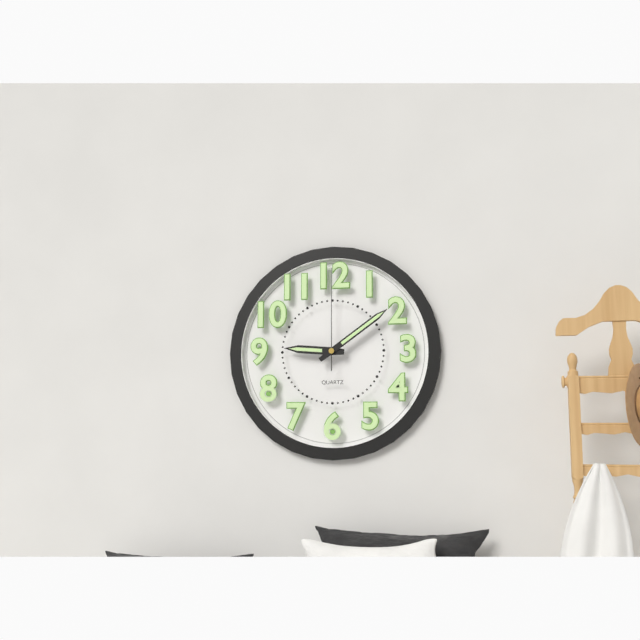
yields 9h09m00s
